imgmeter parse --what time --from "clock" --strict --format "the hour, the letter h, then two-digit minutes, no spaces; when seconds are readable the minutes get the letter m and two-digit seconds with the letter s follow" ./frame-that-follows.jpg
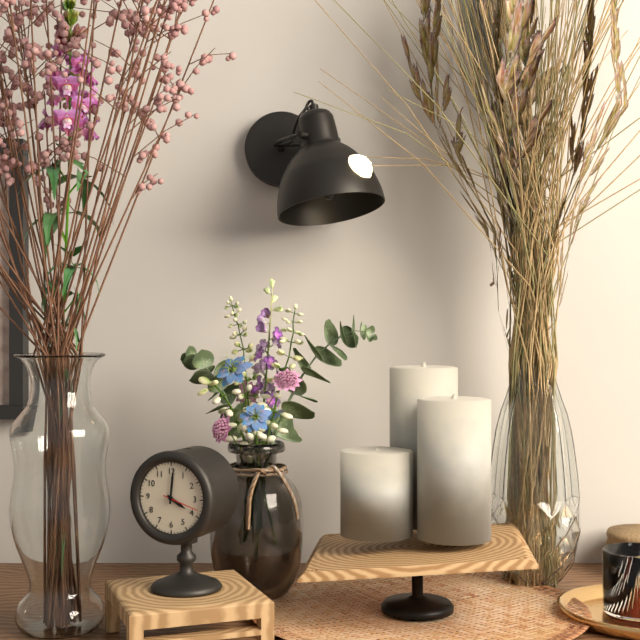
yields 4h01
